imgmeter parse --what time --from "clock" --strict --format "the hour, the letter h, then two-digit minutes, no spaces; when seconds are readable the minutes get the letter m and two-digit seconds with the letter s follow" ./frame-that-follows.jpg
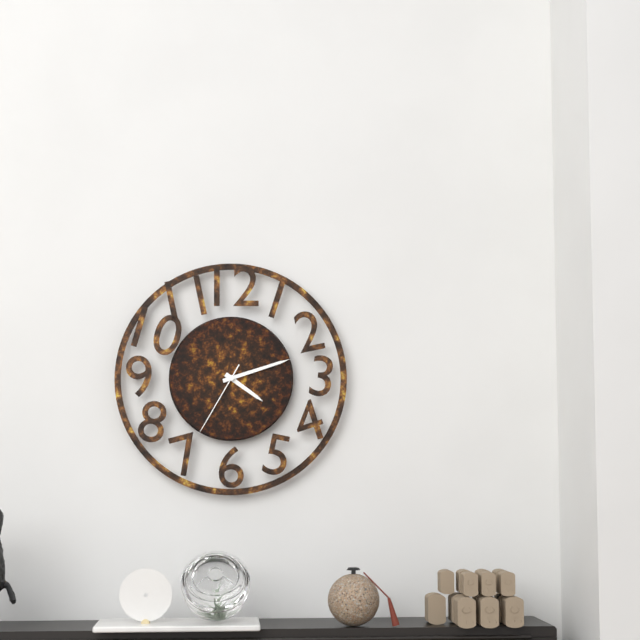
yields 4h12m35s
